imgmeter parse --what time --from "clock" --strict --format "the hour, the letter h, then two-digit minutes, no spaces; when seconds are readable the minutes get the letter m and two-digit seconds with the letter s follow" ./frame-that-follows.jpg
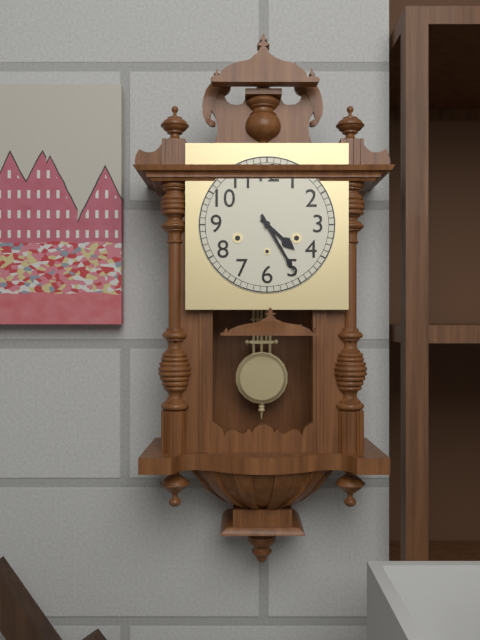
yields 4h25
